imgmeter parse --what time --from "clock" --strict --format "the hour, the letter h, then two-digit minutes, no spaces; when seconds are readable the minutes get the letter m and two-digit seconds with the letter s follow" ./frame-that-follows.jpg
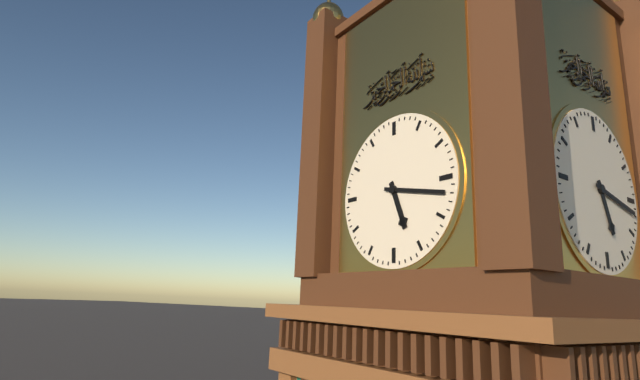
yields 5h17
